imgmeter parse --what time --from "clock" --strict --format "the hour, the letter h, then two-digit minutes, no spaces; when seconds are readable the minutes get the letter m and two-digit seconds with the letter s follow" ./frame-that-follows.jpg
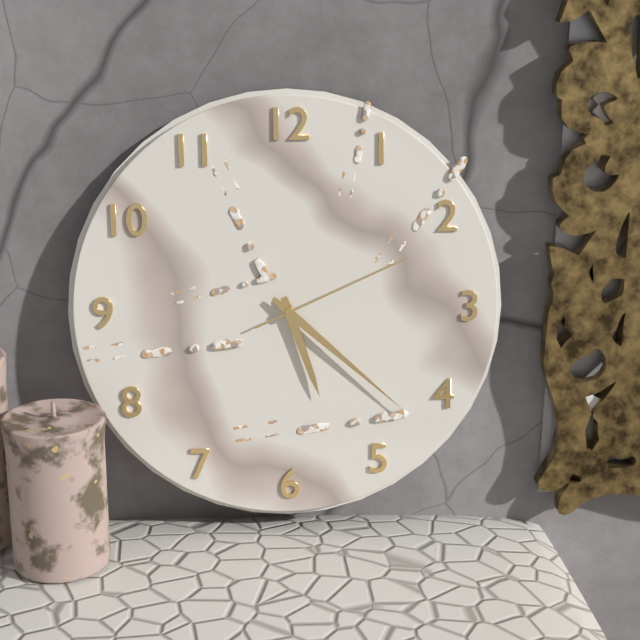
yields 5h22m11s
